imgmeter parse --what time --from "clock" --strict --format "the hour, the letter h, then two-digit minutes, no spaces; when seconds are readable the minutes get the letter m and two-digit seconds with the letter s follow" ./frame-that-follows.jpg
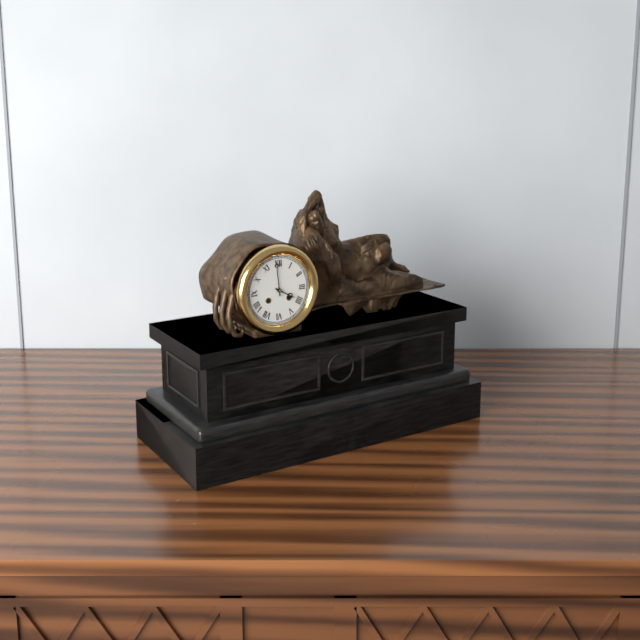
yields 3h59
